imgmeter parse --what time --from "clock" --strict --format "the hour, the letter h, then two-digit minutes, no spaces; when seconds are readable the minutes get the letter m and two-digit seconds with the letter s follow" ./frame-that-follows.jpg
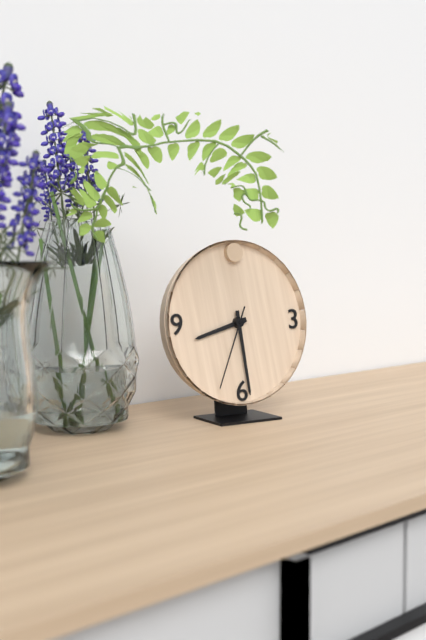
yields 8h29m34s
